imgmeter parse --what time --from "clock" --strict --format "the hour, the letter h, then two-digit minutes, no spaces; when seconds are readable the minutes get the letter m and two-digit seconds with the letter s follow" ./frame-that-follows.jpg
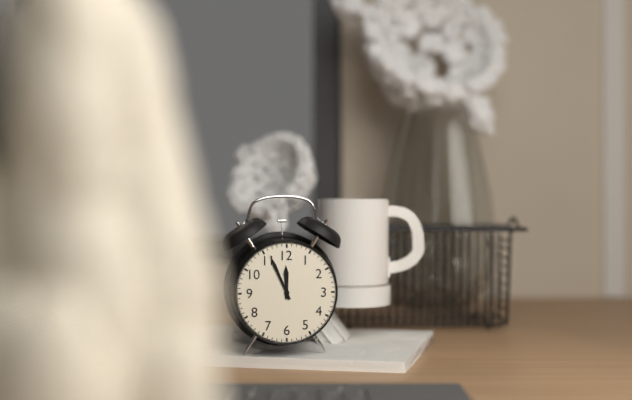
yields 11h56
